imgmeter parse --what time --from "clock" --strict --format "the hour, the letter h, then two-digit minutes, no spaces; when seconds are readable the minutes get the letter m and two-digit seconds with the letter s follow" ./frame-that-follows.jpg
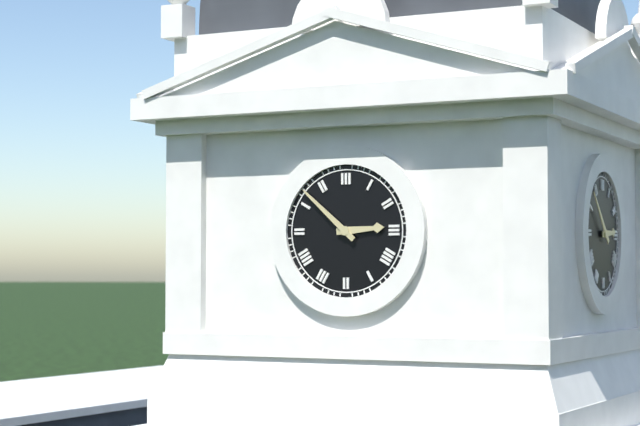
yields 2h52
